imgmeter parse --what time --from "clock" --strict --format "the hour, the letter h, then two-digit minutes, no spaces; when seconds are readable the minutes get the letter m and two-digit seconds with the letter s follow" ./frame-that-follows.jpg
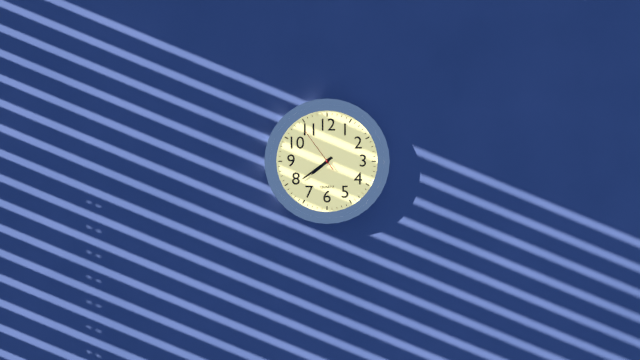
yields 7h39
